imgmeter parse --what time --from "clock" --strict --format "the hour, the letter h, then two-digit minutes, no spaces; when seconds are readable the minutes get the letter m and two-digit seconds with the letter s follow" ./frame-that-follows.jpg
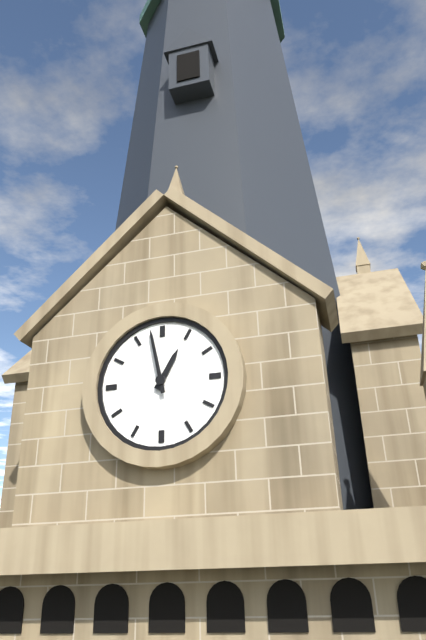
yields 12h58
